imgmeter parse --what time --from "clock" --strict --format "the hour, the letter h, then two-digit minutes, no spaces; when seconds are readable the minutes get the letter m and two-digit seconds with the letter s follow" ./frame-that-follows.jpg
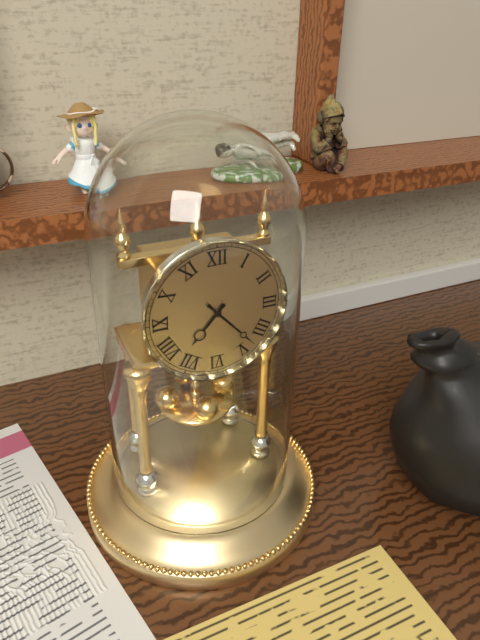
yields 7h23
